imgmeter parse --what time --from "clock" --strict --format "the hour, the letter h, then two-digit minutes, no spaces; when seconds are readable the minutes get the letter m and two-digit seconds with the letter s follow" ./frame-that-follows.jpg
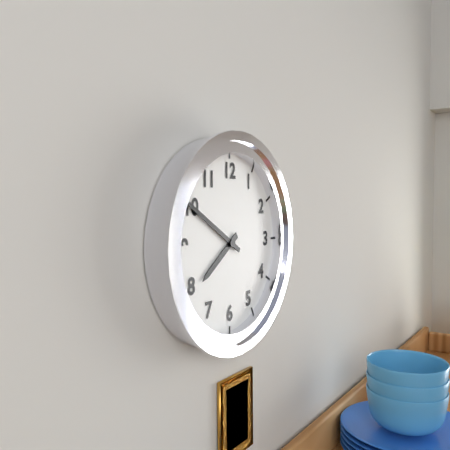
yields 7h50
